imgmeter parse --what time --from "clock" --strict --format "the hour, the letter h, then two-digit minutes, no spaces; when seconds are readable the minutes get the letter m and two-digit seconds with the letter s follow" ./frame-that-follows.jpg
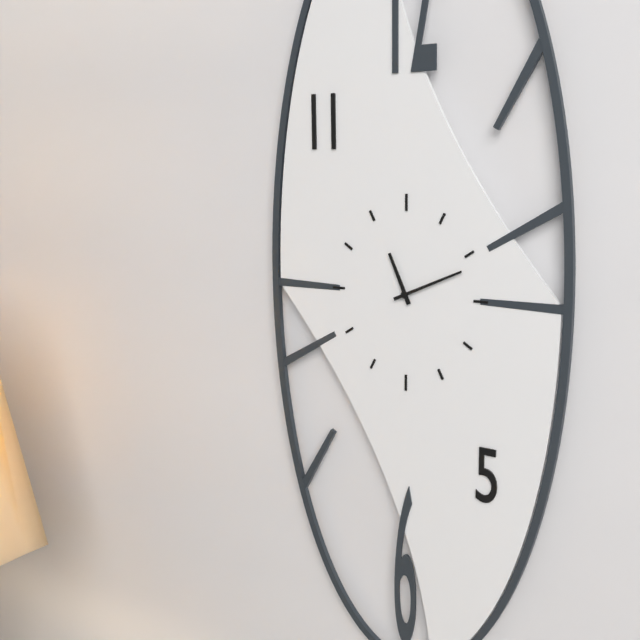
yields 11h11
